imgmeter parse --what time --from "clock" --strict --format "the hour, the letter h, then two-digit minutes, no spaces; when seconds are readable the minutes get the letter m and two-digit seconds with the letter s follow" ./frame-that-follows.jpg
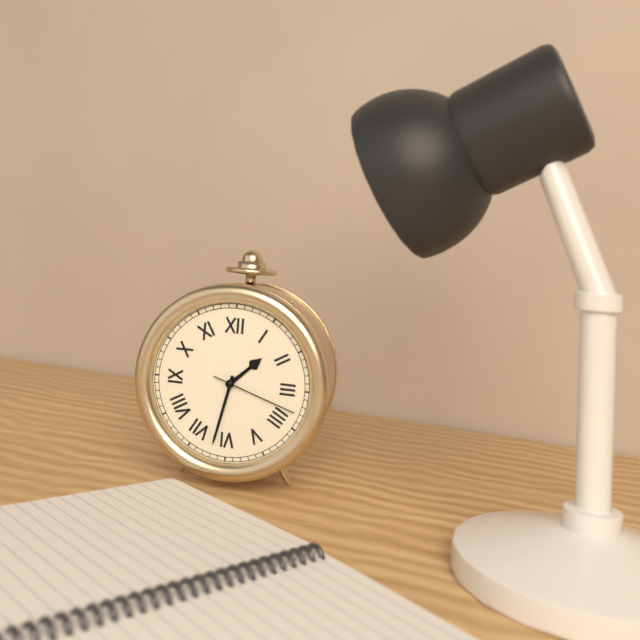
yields 1h32m18s
